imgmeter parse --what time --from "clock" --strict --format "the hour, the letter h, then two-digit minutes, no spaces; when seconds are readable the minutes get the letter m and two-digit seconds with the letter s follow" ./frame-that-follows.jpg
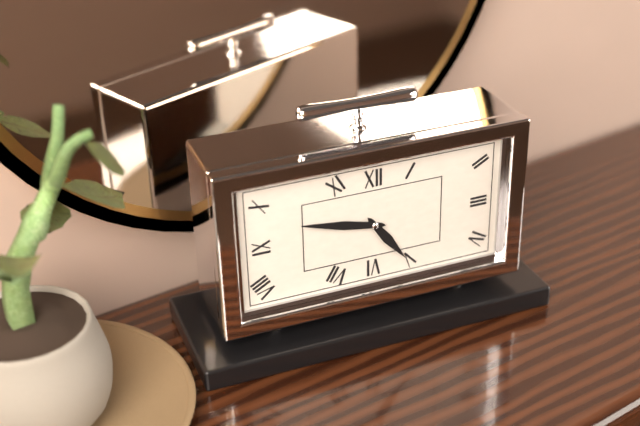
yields 4h47
